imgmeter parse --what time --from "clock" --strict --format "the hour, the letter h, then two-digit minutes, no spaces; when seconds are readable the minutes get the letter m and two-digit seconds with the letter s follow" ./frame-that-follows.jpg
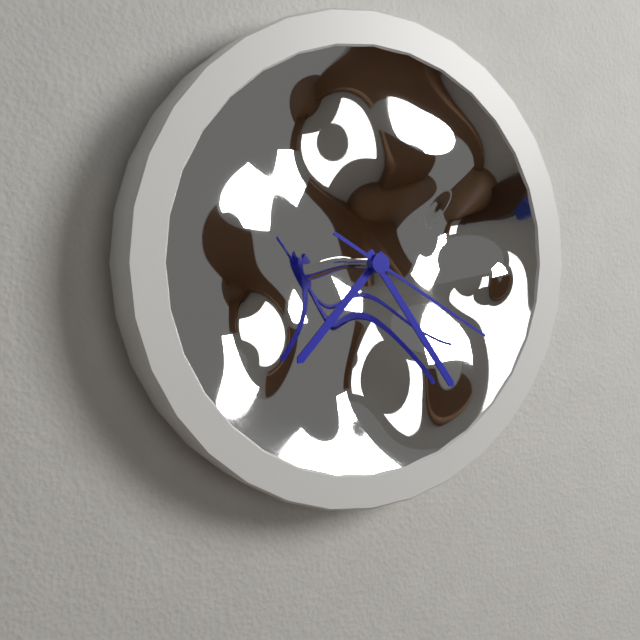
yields 7h24m20s
